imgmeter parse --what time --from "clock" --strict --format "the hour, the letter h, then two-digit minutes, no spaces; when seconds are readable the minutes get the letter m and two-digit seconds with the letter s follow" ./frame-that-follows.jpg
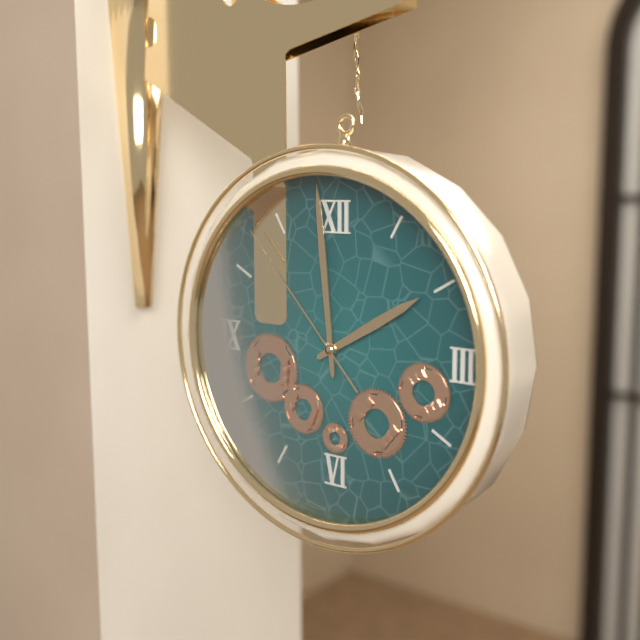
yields 1h59m53s
